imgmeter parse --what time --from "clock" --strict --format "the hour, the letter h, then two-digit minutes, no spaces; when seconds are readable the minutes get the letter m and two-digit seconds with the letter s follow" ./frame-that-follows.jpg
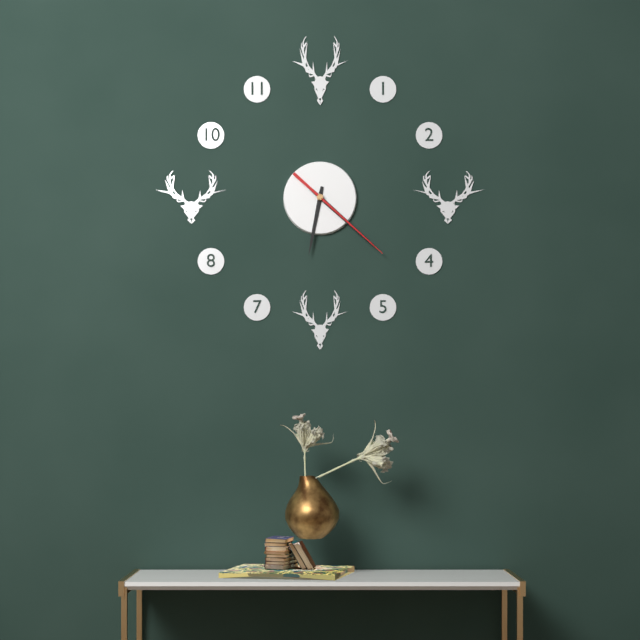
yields 6h22m22s
